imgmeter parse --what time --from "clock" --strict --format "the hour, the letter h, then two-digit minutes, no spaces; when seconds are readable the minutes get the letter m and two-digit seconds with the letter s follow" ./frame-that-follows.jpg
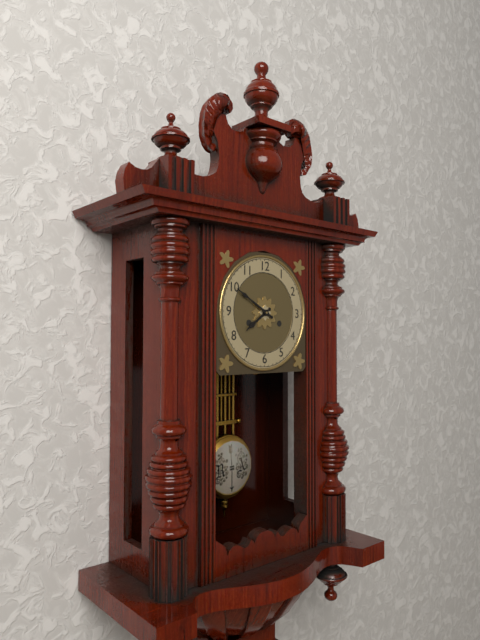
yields 7h50
